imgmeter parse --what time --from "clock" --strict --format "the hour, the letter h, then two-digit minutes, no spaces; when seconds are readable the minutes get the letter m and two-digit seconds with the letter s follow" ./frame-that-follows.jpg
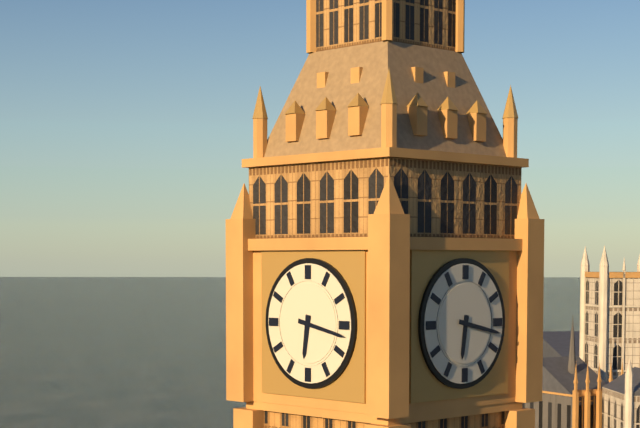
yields 6h17
